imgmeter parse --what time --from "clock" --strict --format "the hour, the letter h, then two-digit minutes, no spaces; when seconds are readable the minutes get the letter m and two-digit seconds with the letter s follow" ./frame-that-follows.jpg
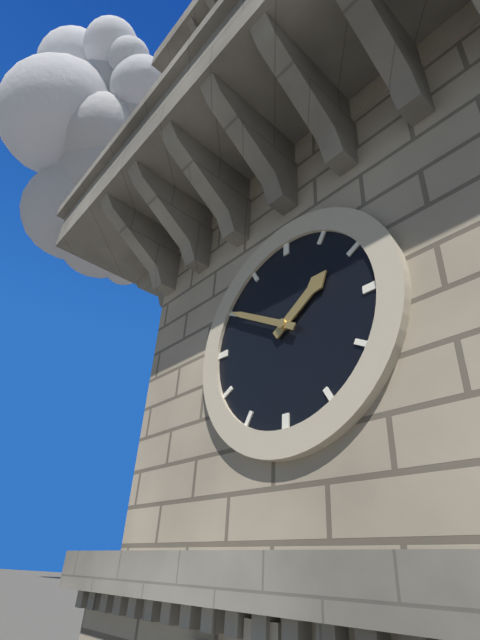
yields 1h50
